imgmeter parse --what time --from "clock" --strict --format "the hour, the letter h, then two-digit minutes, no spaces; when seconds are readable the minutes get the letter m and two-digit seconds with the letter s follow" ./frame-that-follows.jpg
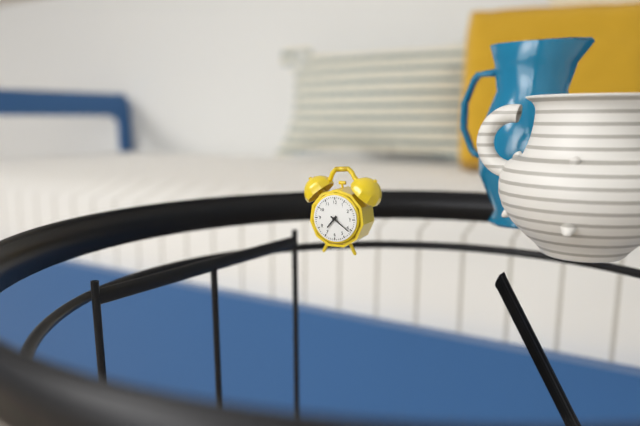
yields 7h21
